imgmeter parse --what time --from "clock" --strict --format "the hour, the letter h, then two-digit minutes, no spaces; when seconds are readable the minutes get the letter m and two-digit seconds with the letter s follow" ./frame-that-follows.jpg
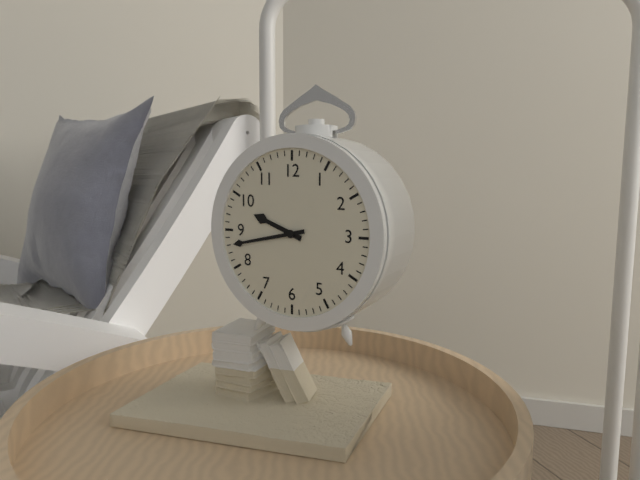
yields 9h43
